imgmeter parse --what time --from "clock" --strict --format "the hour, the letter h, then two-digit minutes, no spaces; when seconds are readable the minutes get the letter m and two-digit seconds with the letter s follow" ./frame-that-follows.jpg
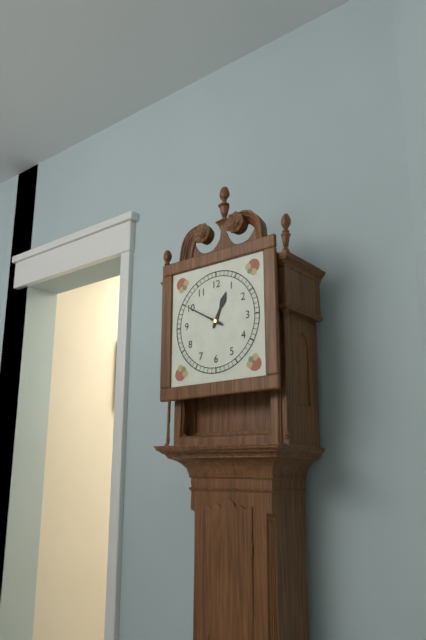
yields 12h50
